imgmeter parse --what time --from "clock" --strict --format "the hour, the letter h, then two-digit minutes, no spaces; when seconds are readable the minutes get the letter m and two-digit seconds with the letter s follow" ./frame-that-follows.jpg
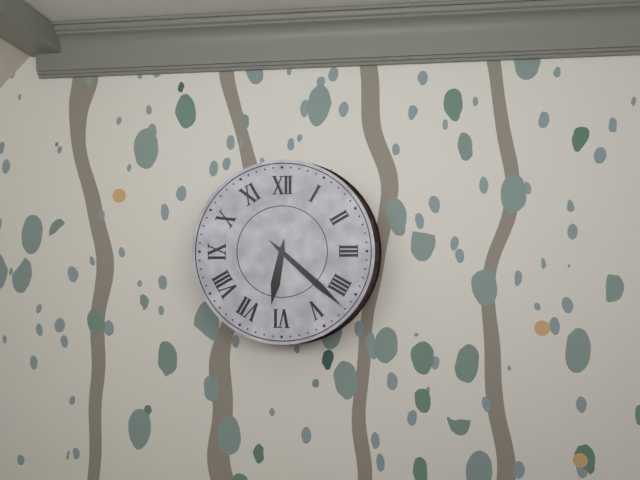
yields 6h22
